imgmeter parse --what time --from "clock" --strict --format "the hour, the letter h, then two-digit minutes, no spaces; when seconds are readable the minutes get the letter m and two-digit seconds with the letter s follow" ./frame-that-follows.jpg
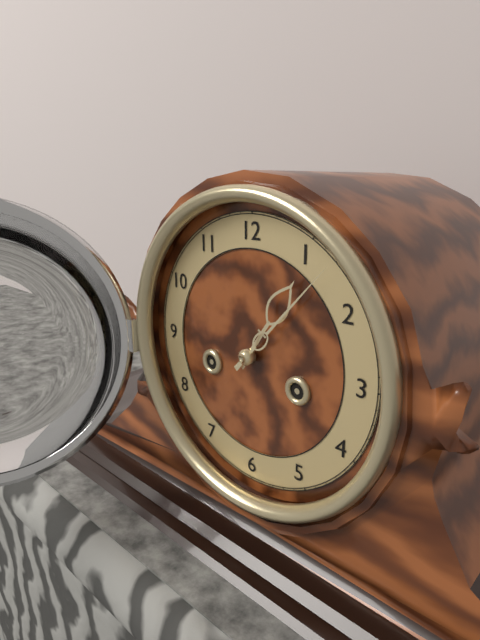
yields 1h07
